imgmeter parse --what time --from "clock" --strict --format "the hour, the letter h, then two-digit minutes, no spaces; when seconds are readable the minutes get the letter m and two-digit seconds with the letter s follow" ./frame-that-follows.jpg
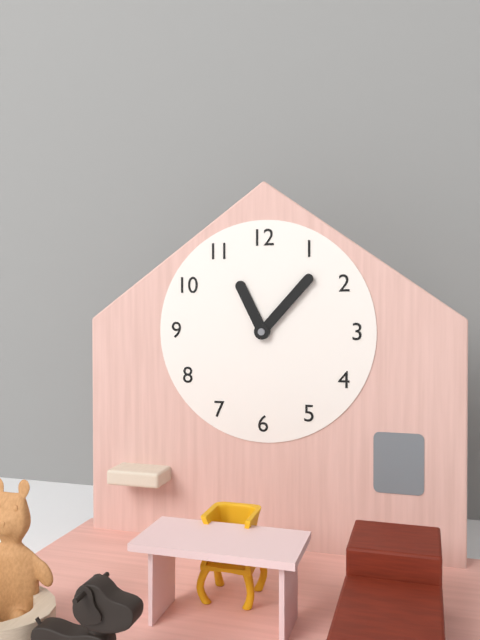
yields 11h07
